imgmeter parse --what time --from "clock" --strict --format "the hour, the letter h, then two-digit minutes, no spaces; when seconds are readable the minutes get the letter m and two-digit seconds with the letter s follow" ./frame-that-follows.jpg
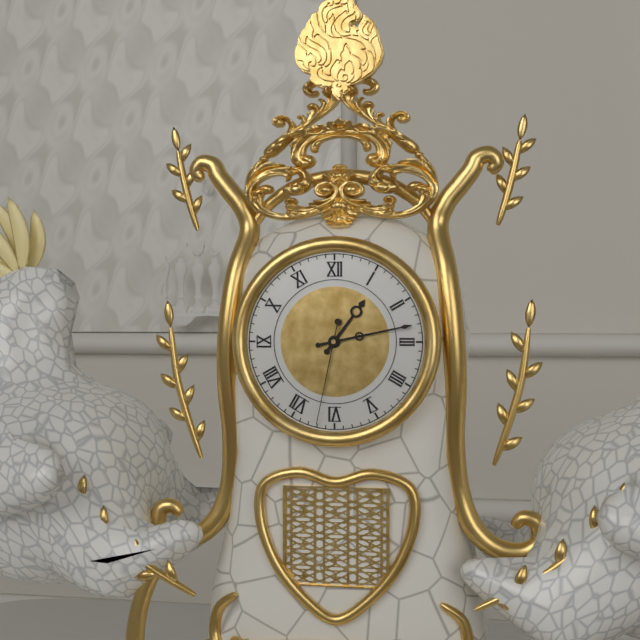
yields 1h13m32s
